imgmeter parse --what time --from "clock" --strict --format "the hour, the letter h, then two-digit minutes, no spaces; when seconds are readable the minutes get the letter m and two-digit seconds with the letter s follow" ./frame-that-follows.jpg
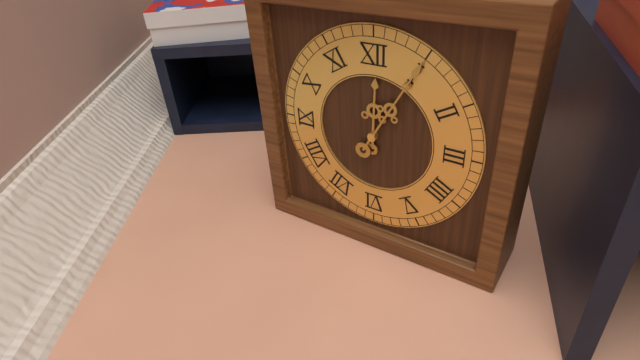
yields 12h05
